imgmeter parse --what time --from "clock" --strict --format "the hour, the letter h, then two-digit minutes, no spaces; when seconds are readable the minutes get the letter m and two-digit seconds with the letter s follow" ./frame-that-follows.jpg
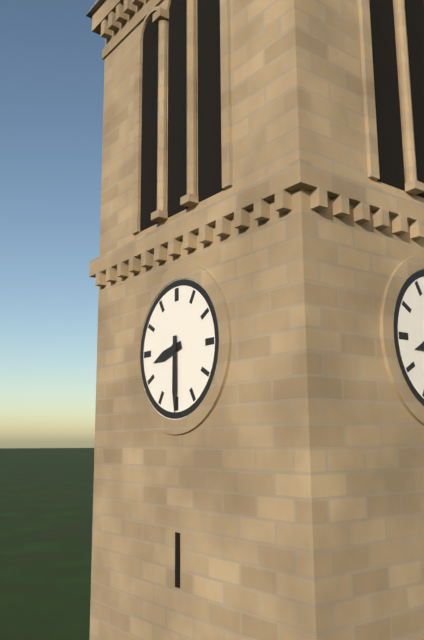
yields 8h30
